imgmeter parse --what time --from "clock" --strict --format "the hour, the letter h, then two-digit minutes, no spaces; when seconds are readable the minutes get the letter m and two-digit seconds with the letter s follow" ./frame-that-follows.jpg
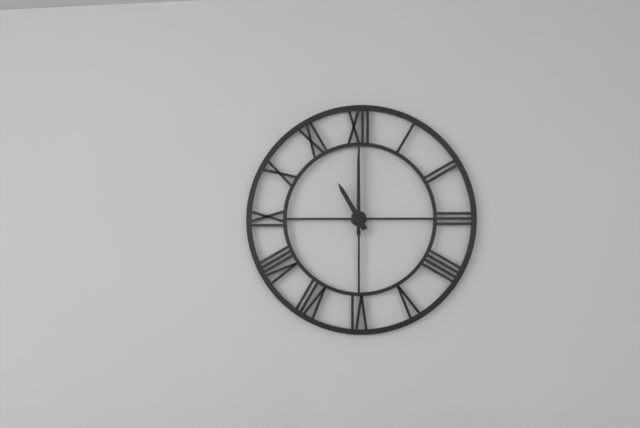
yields 11h00
